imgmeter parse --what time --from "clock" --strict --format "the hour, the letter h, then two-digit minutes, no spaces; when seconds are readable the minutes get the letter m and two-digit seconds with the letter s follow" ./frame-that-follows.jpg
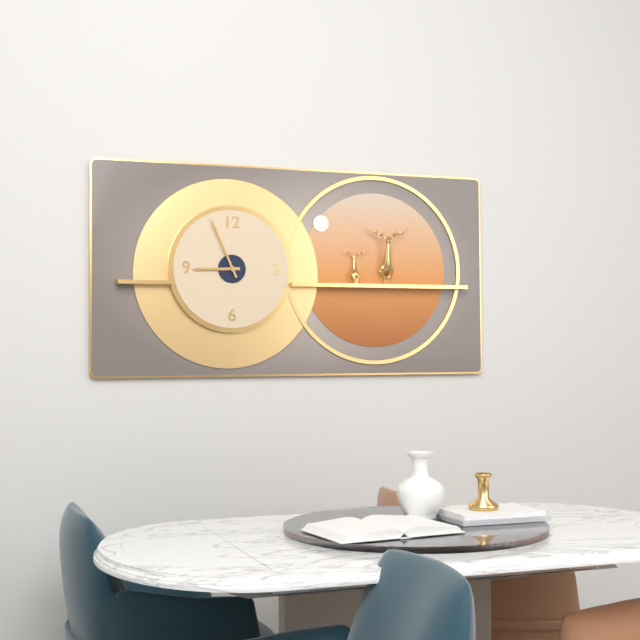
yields 8h56
